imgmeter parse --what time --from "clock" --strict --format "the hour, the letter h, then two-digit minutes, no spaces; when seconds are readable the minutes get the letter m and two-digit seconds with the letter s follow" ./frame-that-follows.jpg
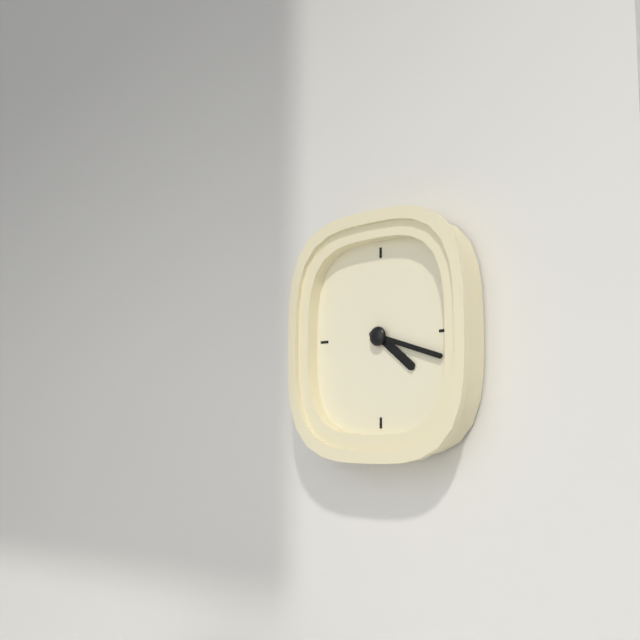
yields 4h18
